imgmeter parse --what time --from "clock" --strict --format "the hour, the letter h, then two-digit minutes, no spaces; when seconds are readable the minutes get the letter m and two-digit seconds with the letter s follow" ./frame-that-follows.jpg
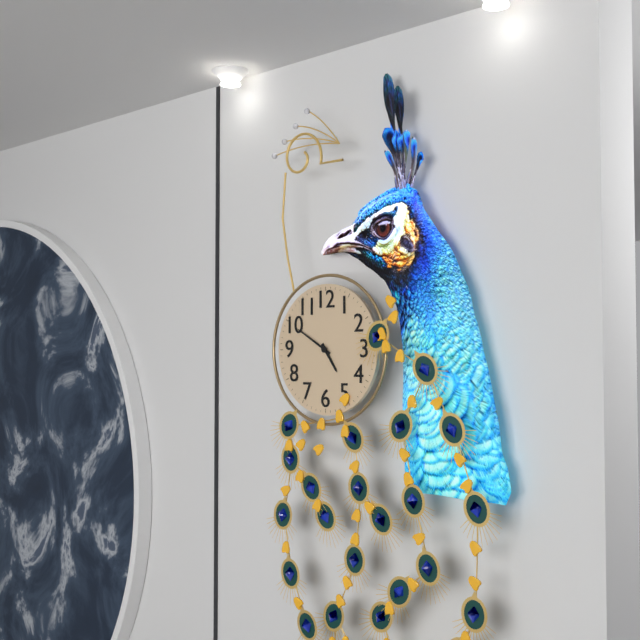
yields 4h50
